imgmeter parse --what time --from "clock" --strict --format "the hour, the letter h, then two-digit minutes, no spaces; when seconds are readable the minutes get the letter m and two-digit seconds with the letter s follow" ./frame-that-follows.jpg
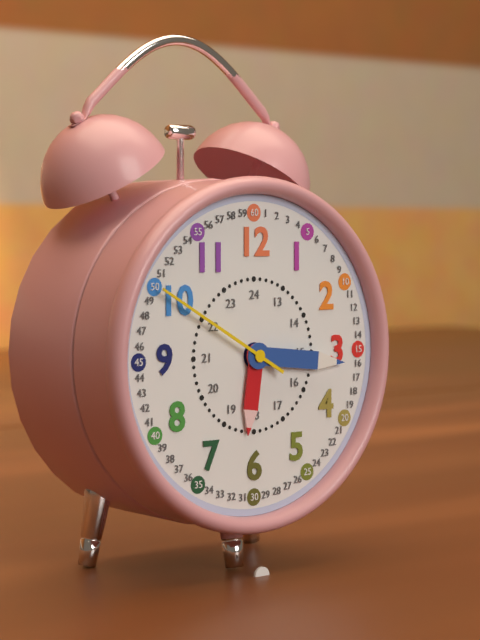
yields 6h16m50s
